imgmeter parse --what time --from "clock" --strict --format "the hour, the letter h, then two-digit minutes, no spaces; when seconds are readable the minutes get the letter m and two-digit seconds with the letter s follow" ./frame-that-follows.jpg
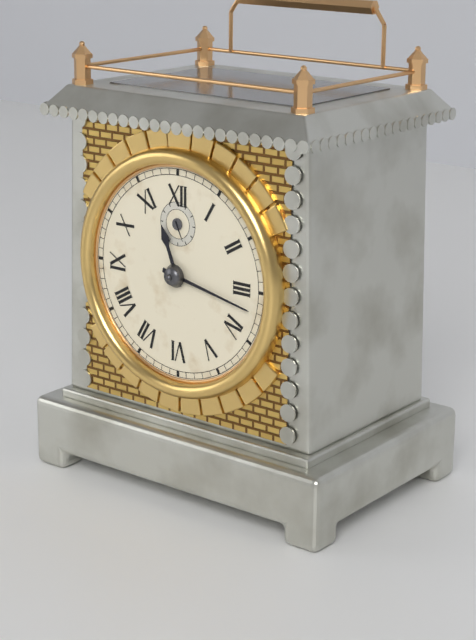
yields 11h17
